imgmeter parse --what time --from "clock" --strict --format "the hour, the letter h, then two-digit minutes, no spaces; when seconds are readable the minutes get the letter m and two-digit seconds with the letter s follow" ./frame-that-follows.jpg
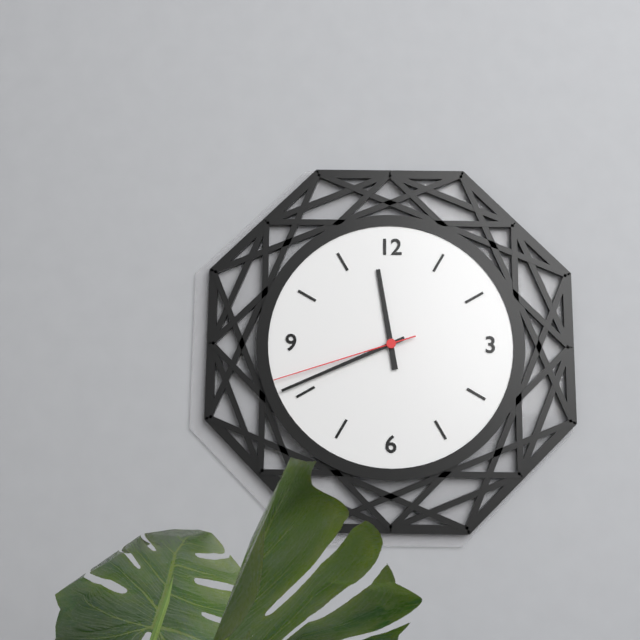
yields 11h41m42s
